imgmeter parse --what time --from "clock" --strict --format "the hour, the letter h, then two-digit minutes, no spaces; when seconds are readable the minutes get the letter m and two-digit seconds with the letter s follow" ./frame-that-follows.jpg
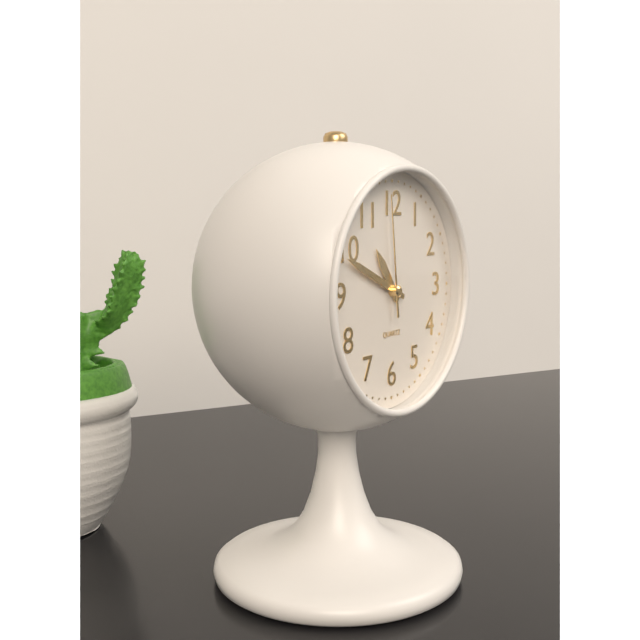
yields 10h49m59s
